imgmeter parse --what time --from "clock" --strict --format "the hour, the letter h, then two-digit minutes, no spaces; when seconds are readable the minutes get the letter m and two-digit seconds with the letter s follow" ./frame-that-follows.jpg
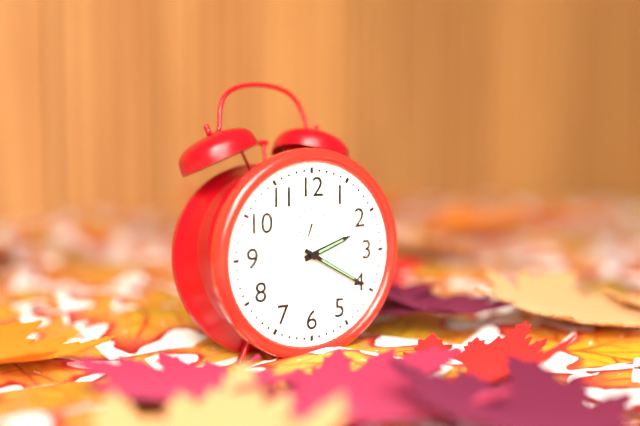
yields 2h20
